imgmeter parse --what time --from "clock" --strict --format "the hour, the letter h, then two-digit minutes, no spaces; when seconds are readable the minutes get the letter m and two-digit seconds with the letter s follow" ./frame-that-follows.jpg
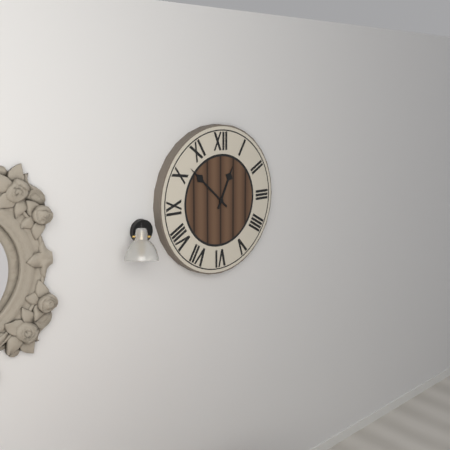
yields 12h52
